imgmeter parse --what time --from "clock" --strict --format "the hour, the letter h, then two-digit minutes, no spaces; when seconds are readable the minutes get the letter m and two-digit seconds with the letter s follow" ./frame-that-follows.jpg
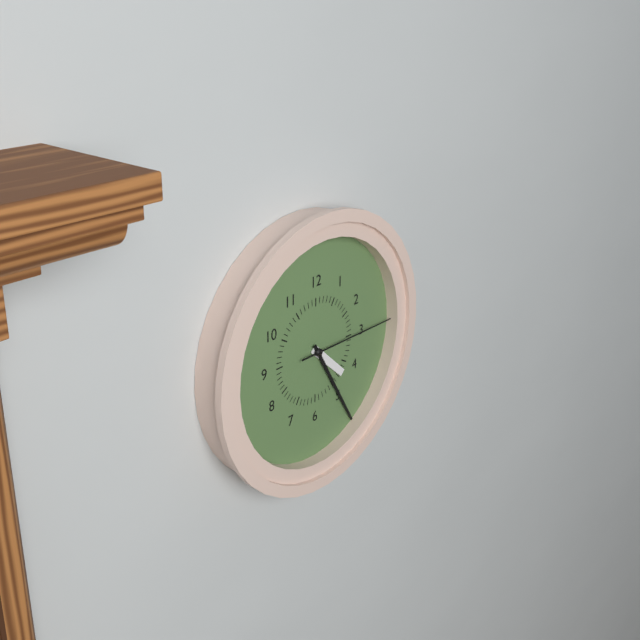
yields 4h25m15s
